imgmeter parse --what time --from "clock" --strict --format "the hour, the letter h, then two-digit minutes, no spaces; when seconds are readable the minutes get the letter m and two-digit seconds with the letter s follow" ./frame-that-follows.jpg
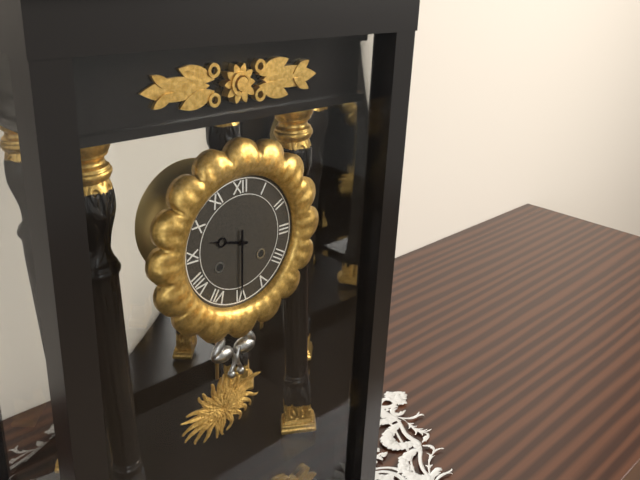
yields 9h30
